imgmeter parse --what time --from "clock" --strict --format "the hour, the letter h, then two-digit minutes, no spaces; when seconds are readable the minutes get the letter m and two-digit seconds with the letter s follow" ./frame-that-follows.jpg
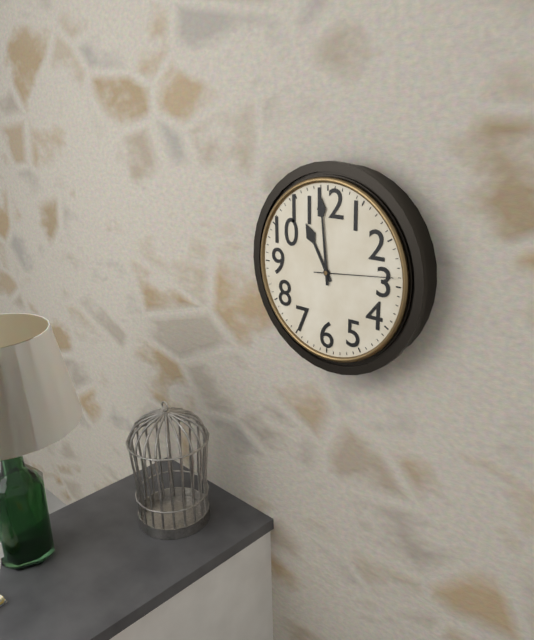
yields 10h59m14s
